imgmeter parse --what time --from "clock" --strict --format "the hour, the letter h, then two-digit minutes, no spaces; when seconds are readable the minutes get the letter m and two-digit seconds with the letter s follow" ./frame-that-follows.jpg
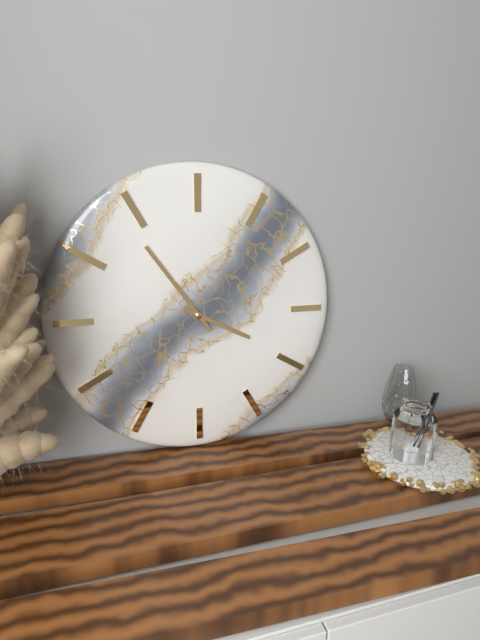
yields 3h54
